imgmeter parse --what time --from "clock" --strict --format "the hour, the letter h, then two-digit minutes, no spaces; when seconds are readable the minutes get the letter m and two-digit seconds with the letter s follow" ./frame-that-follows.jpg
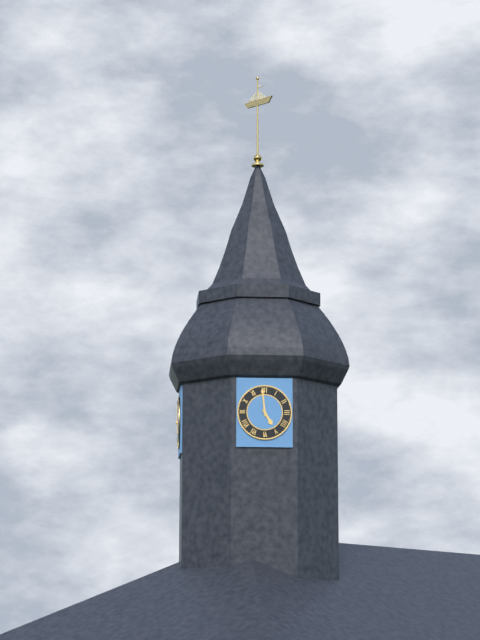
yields 4h59
